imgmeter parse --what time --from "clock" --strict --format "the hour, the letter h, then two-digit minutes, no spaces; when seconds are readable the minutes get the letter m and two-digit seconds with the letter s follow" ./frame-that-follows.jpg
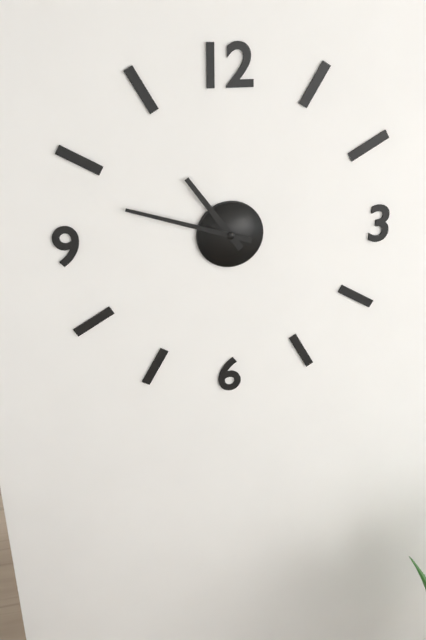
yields 10h48
